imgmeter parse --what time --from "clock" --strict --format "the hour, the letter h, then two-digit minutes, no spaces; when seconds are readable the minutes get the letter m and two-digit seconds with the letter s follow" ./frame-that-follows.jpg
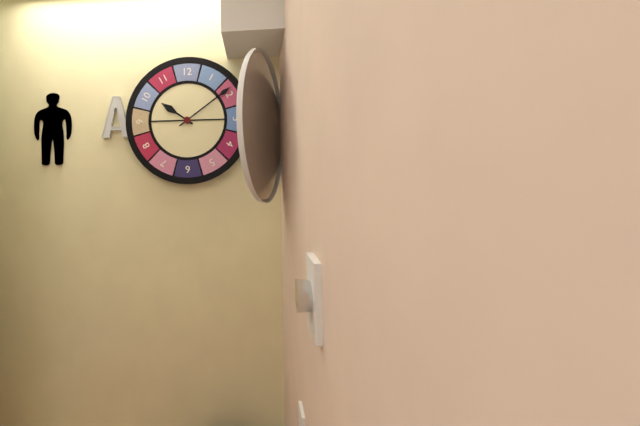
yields 10h09
